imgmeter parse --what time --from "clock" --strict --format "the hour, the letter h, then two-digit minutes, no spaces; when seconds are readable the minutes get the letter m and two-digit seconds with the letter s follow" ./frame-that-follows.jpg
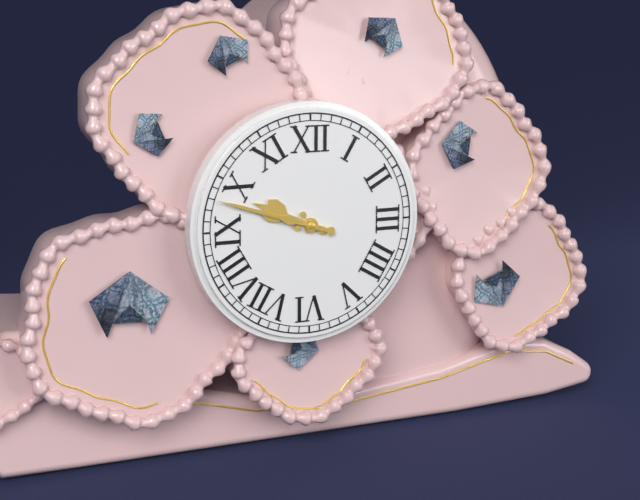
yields 9h48
